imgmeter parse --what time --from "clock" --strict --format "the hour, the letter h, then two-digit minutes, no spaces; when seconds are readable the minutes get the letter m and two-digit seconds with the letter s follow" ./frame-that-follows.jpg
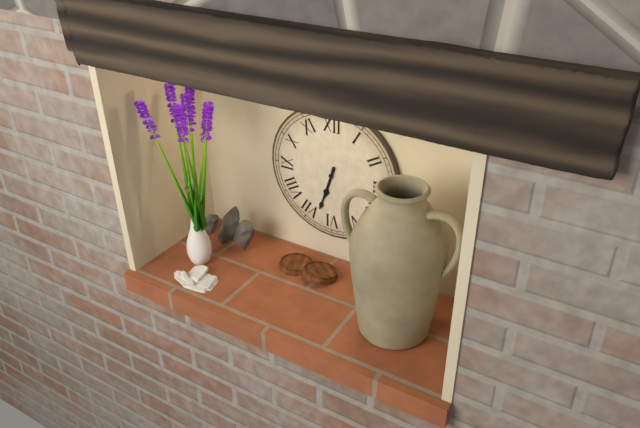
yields 6h33
